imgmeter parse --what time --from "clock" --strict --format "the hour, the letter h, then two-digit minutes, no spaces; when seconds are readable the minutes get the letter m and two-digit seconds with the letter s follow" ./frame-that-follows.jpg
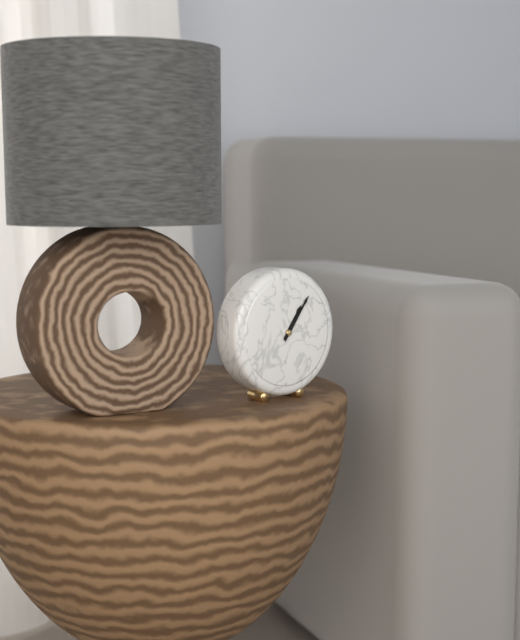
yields 1h06
